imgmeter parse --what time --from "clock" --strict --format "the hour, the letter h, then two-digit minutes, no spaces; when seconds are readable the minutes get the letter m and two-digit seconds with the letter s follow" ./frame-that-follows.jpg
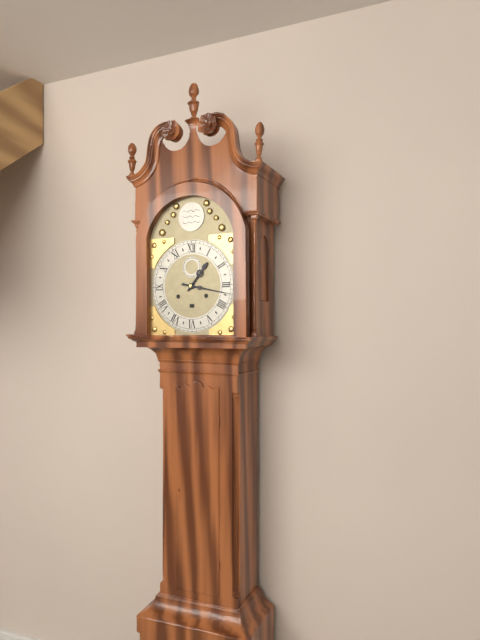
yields 1h17
